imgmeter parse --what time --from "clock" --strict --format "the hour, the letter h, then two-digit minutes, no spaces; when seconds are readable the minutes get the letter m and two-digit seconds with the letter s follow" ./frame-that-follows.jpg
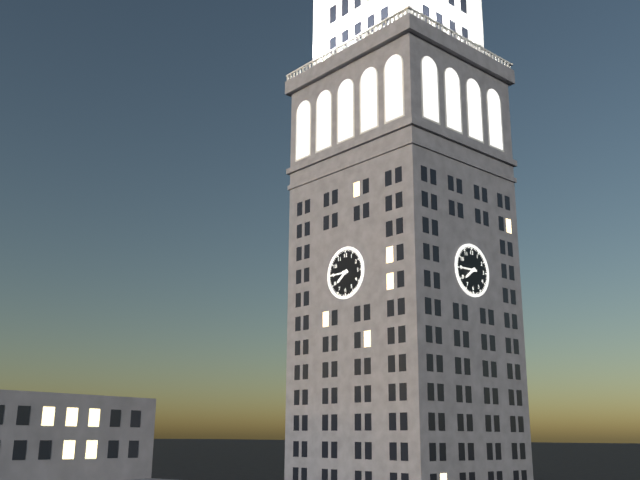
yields 7h45
